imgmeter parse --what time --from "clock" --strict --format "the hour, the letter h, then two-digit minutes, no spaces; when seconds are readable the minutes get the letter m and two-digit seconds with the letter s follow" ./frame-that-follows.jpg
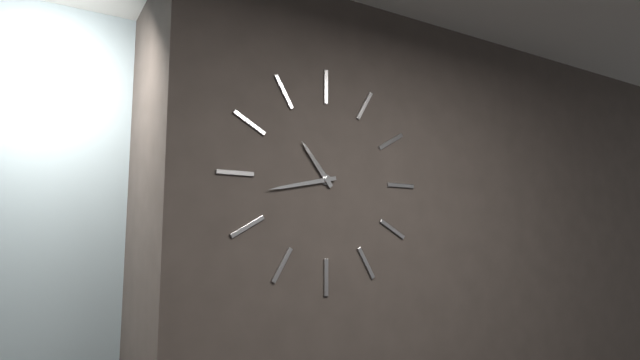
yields 10h43
